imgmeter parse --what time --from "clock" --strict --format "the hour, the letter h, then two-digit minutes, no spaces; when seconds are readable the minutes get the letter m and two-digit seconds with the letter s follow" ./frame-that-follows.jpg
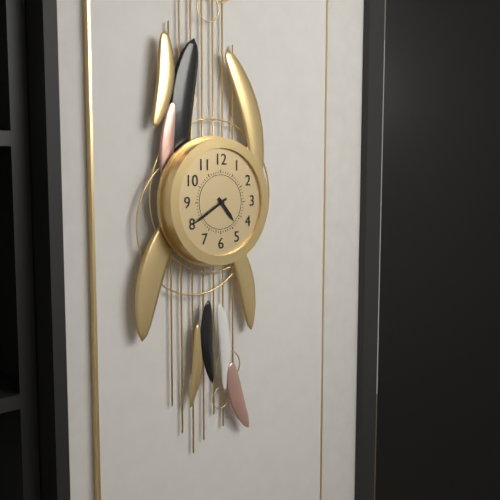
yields 4h40
